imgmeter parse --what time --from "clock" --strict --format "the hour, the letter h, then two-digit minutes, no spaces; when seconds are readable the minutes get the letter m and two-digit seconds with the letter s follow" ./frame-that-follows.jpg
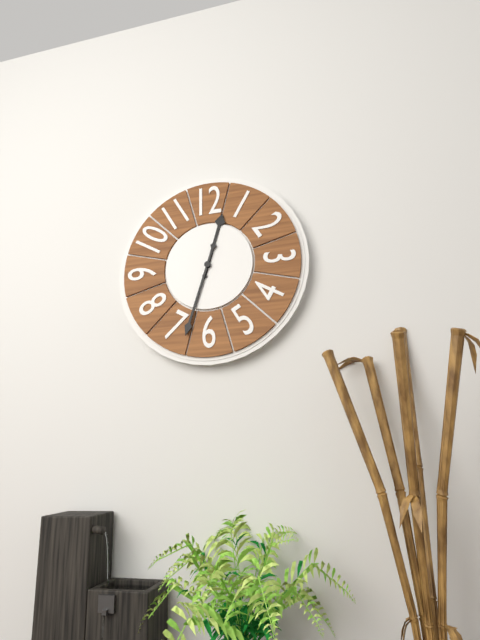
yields 12h33
